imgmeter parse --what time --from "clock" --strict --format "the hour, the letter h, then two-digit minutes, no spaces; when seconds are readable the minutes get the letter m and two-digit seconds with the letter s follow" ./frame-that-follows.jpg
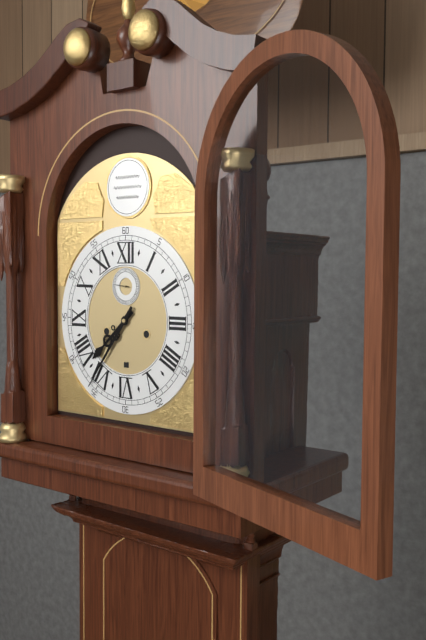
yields 7h36
